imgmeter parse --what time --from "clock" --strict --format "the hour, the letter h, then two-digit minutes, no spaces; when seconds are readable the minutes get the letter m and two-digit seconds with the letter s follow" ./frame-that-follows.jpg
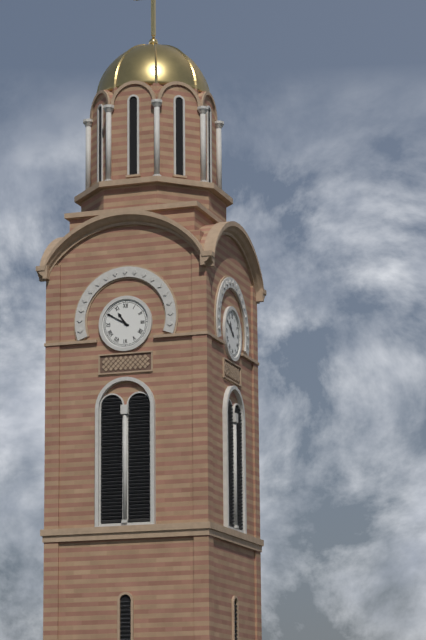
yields 10h50
